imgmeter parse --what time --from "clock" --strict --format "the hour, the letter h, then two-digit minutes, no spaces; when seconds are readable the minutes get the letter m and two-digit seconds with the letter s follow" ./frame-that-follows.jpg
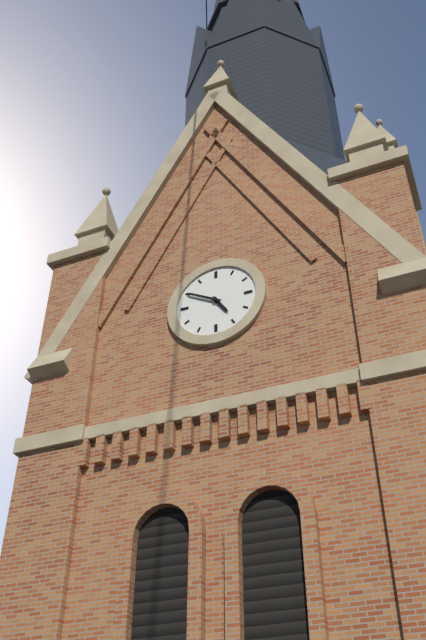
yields 4h50
